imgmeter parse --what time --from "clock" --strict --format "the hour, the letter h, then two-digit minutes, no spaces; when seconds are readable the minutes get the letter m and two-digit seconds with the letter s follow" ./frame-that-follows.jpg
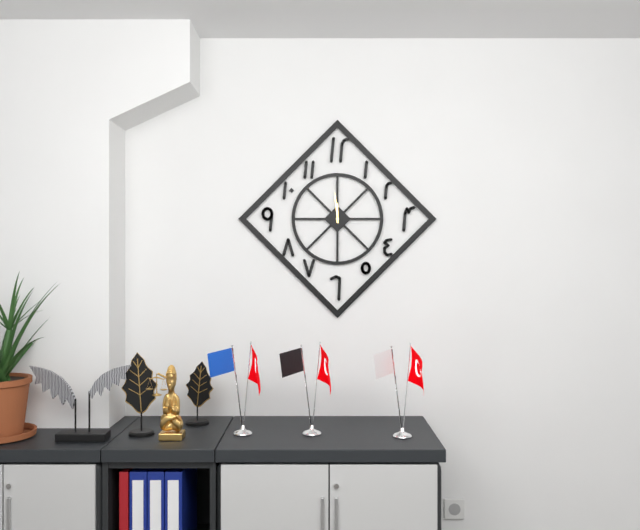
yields 11h59
